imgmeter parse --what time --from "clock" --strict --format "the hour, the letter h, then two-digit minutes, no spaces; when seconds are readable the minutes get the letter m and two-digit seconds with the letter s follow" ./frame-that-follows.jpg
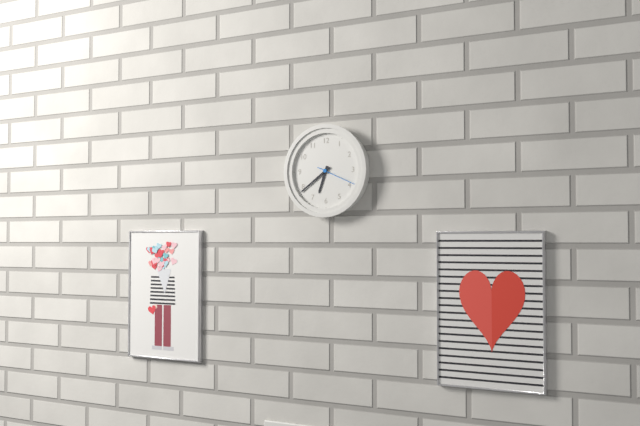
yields 6h39
